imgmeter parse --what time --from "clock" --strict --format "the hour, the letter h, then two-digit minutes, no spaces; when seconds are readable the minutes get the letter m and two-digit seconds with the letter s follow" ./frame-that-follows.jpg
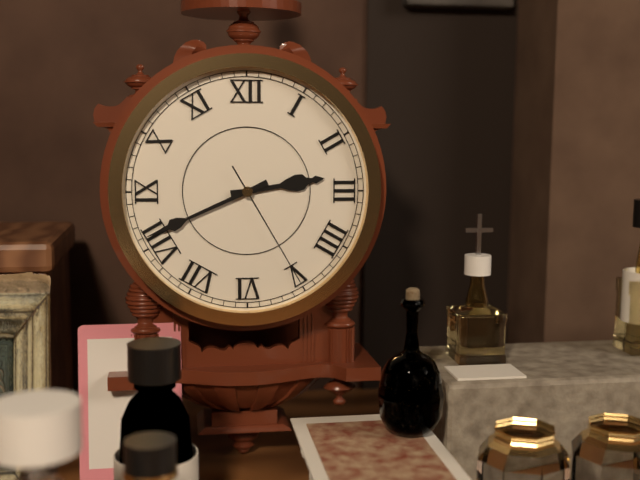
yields 2h41m25s
